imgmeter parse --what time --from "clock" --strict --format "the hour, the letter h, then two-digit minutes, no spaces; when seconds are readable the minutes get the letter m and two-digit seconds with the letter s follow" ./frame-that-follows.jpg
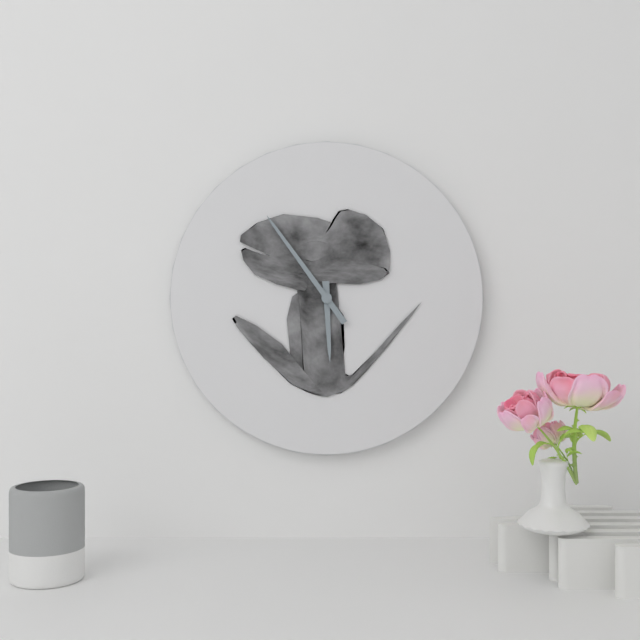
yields 5h54
